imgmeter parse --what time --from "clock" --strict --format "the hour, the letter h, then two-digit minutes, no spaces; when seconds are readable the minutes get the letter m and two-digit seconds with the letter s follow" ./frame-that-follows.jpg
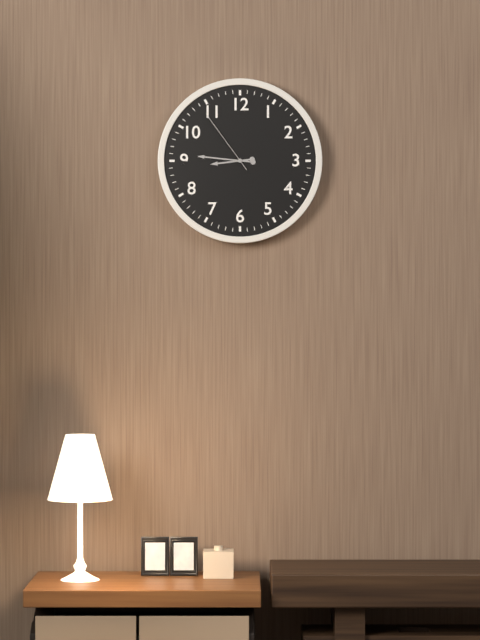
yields 8h46m54s
